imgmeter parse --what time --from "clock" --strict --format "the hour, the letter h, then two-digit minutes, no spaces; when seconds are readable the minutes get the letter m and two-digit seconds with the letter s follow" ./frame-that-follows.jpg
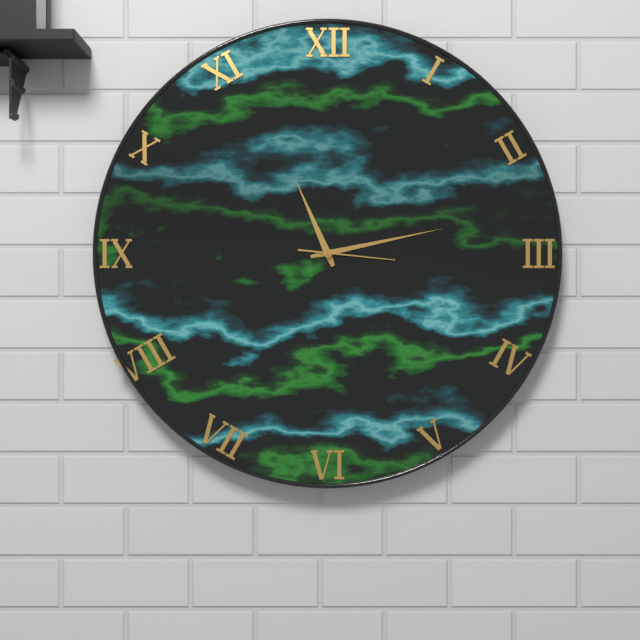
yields 11h13m16s
